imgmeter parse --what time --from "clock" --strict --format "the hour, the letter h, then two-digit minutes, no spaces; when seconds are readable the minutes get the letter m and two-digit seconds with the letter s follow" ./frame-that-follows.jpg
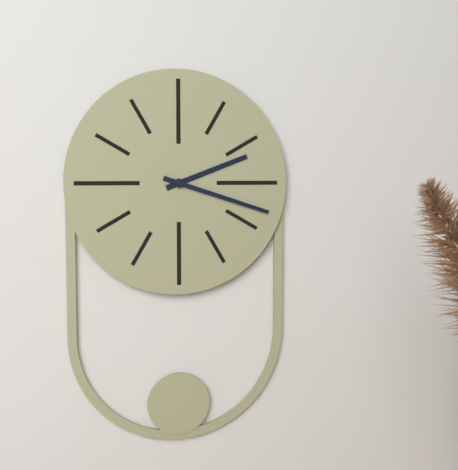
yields 2h18
